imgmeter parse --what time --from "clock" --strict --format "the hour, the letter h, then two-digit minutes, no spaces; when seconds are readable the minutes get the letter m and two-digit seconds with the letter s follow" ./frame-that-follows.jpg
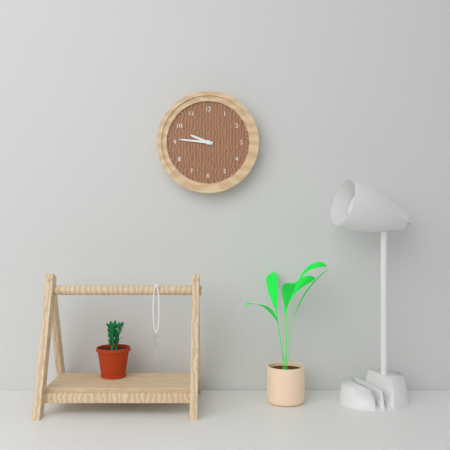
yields 9h46
